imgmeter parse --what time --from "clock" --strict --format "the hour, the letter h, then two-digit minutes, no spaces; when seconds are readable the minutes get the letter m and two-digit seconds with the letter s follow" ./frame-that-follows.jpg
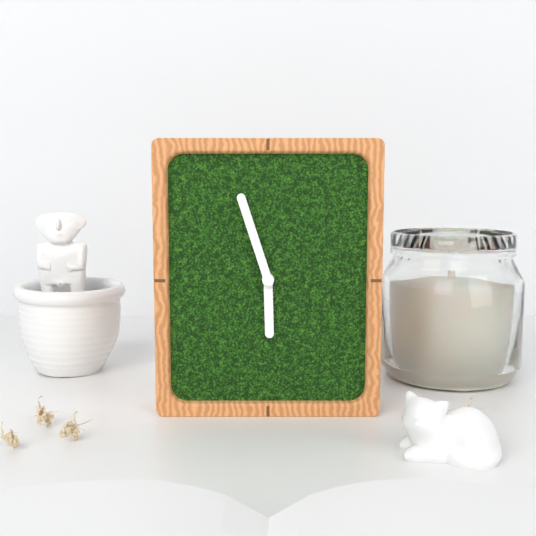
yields 5h57
